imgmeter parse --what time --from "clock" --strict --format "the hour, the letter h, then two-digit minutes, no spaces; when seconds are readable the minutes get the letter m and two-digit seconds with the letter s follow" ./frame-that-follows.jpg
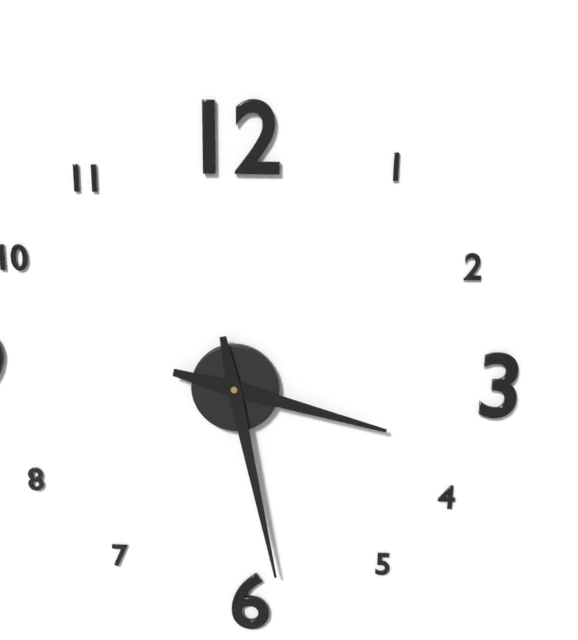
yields 3h28
